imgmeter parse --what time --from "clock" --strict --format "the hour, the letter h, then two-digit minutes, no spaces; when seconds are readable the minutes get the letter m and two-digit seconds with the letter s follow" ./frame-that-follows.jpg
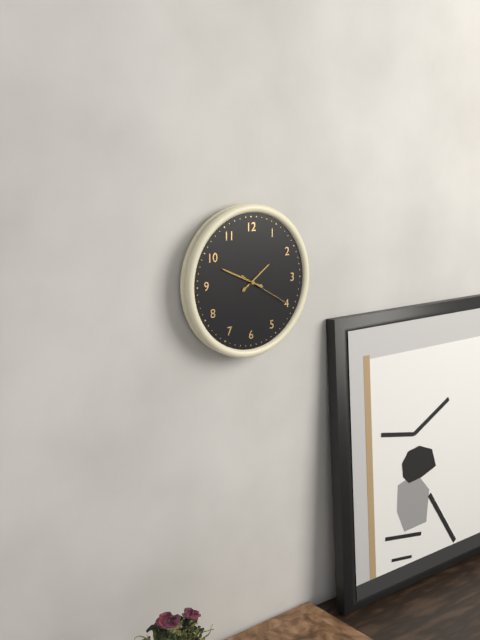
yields 1h49
